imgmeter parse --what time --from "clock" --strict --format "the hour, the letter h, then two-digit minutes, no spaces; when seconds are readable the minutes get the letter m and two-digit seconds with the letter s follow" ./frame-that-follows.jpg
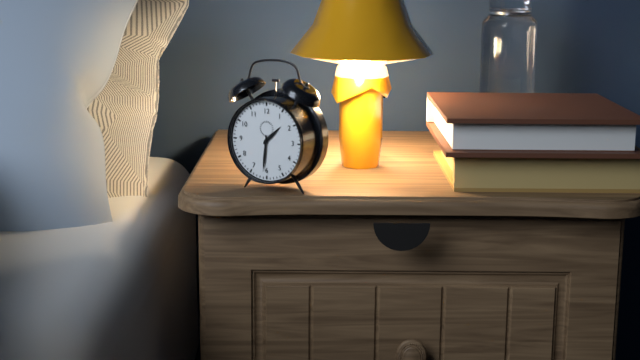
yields 1h31
